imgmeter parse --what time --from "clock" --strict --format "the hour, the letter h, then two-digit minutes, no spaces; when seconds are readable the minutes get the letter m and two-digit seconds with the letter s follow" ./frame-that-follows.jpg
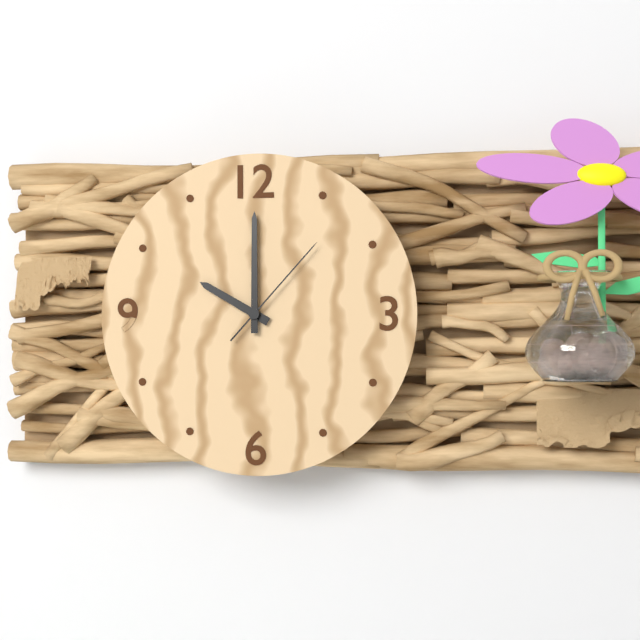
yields 10h00m07s
